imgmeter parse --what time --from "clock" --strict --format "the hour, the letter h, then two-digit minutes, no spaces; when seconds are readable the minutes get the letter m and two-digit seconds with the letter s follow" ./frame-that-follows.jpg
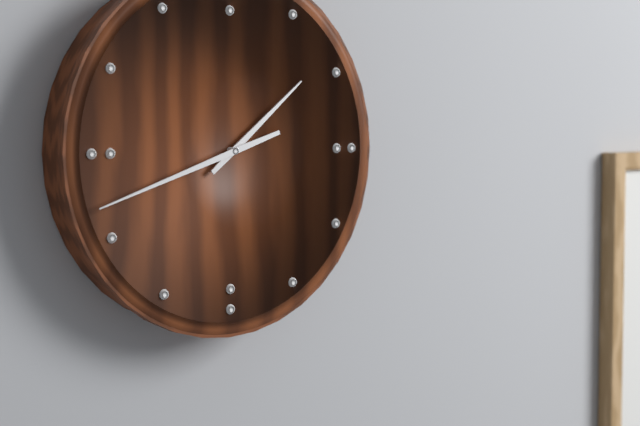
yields 1h42
